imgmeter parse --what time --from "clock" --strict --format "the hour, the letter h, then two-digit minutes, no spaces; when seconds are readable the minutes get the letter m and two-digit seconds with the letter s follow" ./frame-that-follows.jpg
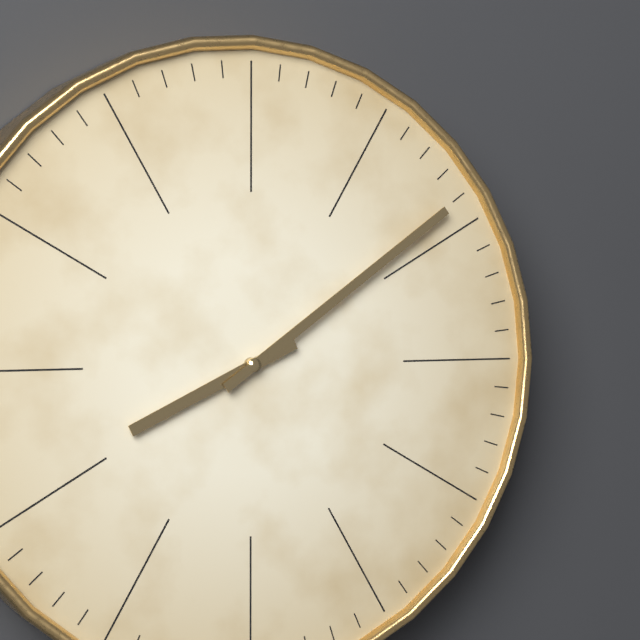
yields 8h09
